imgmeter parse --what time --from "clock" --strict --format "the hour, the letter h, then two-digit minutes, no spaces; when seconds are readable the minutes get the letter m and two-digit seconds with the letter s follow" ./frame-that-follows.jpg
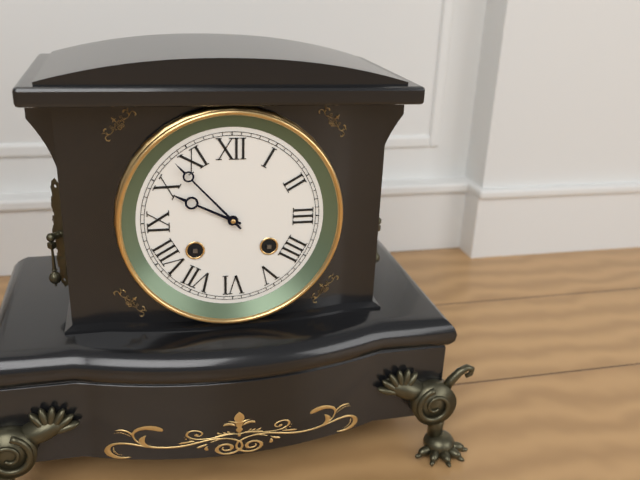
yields 9h53
